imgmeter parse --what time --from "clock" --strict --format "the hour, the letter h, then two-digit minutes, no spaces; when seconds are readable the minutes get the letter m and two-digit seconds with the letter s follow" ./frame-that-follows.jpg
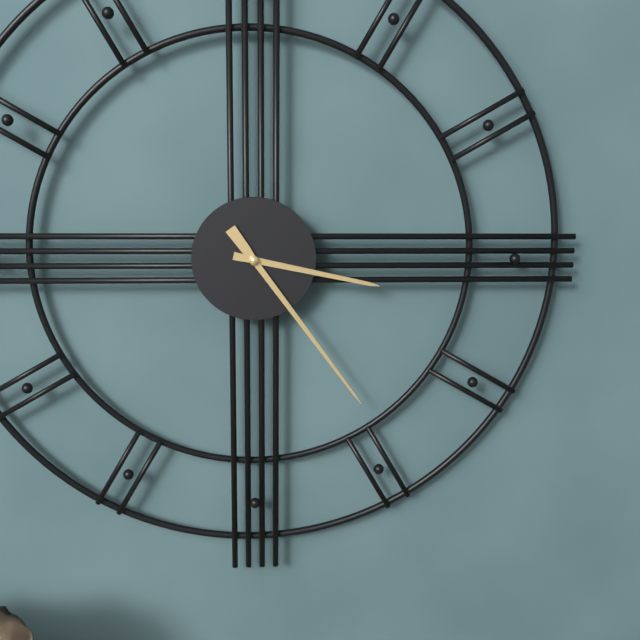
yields 3h24
